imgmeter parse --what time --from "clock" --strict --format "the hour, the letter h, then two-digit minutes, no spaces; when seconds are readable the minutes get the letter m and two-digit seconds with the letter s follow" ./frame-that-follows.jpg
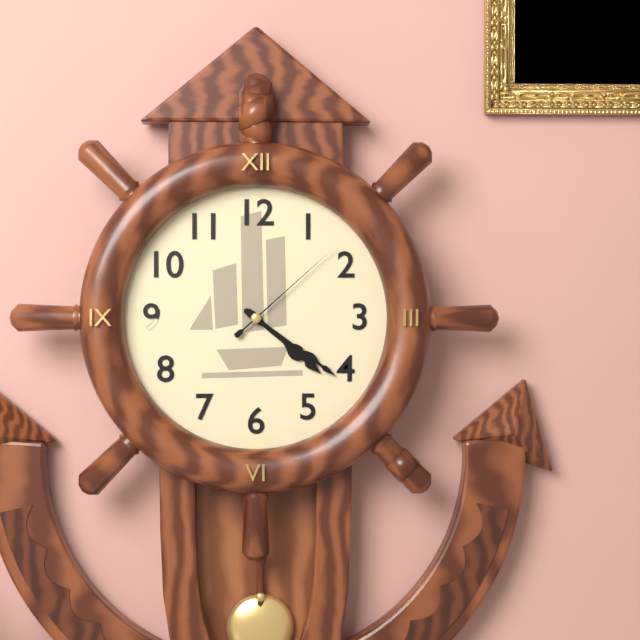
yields 4h21m08s
